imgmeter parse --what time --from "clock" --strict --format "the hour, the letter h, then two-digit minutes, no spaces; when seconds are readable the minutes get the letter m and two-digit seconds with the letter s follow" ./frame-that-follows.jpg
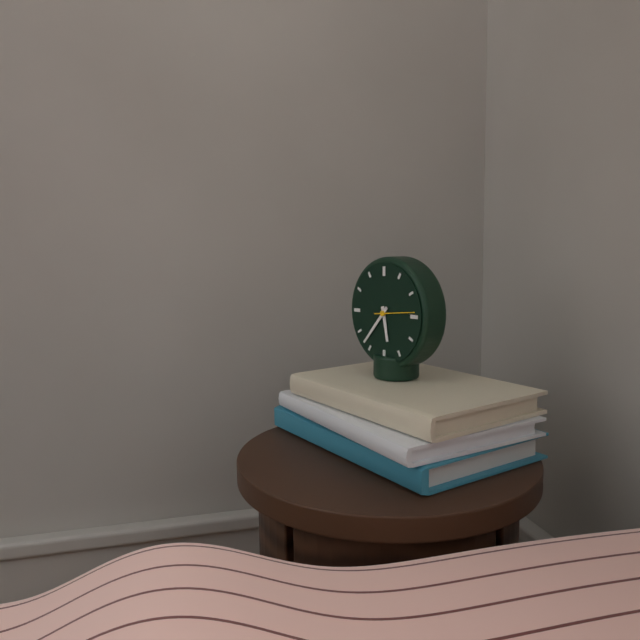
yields 5h37
